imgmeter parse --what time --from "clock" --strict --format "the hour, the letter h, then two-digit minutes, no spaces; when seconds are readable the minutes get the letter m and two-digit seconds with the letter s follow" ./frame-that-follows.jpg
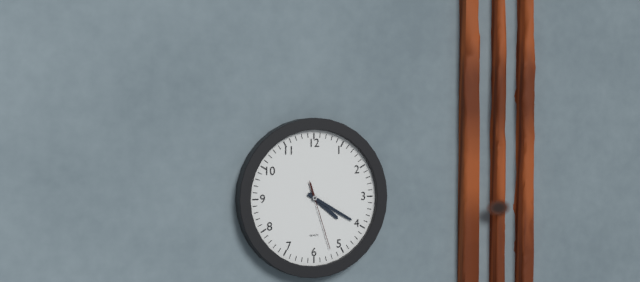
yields 4h20m27s
